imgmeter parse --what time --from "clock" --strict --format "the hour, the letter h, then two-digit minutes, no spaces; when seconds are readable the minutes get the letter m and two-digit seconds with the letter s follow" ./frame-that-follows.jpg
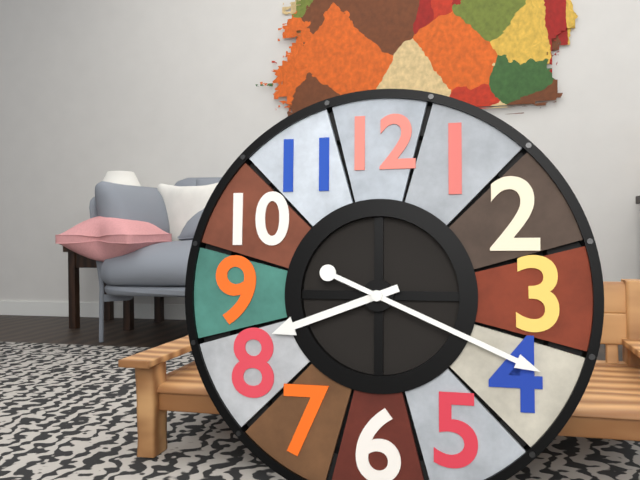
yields 8h19
